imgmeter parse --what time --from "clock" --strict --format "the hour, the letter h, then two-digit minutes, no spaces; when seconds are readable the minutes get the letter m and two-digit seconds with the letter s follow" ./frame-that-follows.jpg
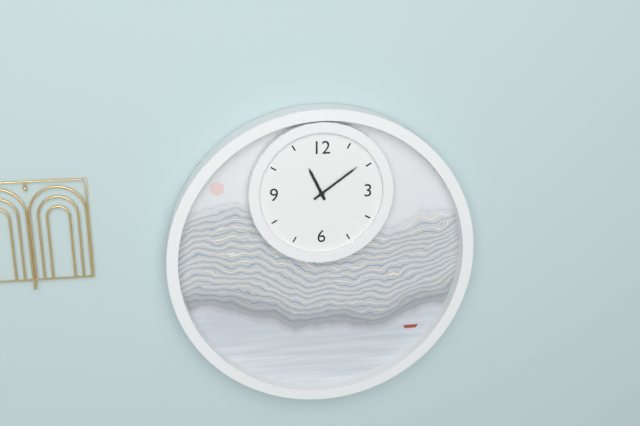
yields 11h09
